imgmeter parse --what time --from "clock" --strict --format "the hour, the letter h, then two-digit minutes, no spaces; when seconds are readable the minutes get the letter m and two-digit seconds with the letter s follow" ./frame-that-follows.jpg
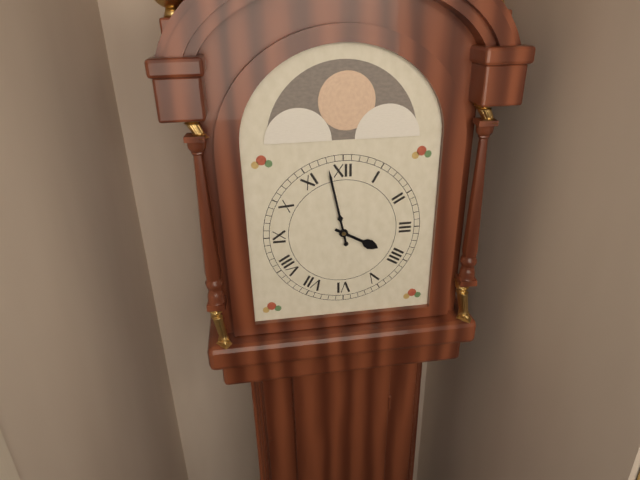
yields 3h58
